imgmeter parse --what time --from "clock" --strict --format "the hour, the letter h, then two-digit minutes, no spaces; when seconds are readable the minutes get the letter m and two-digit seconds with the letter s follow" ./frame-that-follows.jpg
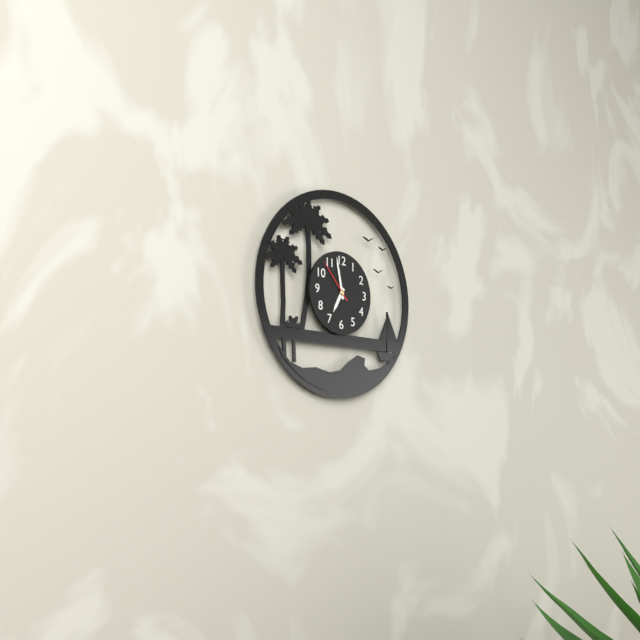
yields 6h58
